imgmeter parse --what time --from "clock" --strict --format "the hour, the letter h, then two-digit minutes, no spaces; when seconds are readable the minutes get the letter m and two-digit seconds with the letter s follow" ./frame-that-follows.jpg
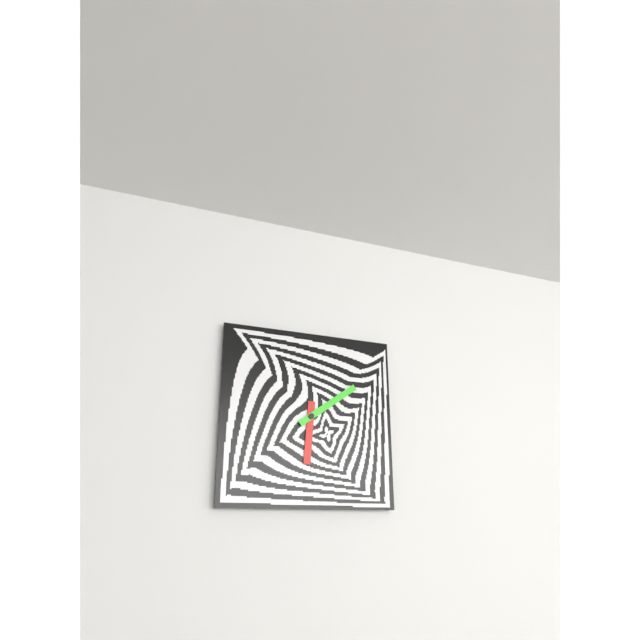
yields 6h09
